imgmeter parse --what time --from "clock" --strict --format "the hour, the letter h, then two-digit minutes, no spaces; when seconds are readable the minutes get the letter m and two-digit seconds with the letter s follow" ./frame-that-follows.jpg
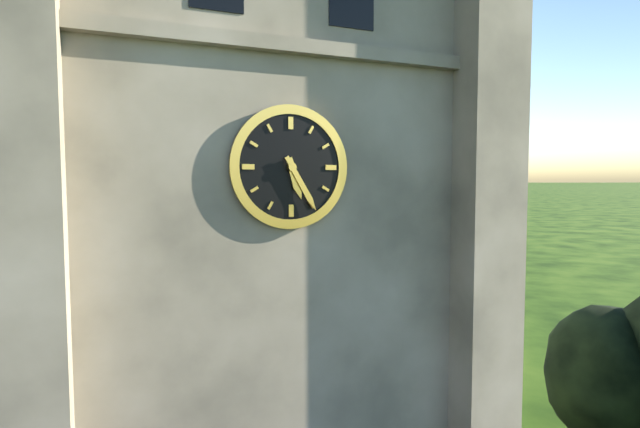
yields 5h25
